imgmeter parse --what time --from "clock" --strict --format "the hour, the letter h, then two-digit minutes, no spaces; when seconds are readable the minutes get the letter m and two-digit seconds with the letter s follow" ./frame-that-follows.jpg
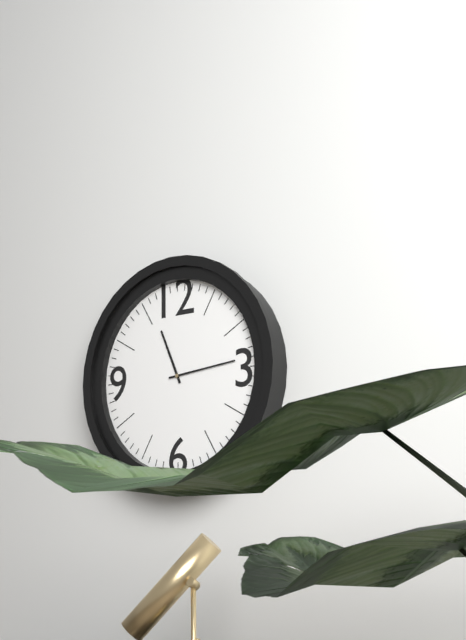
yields 11h14
